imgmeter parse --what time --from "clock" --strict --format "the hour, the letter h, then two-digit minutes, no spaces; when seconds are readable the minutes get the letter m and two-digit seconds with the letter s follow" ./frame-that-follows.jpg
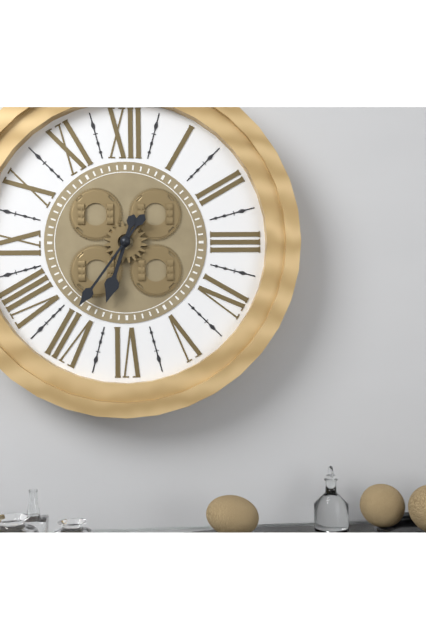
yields 6h36
